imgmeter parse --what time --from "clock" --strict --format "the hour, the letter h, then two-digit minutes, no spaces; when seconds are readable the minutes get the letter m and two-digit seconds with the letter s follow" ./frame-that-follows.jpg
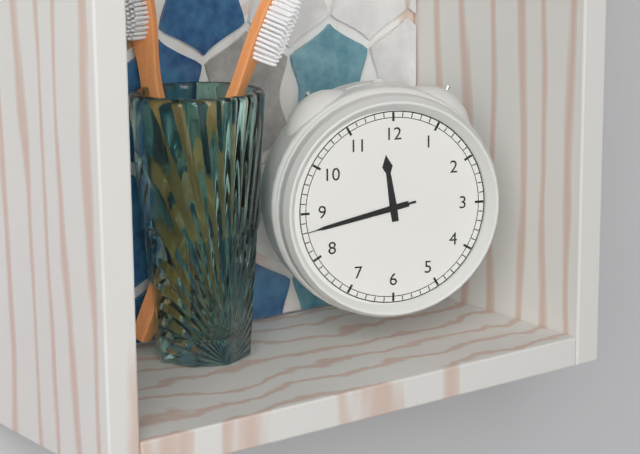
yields 11h43m43s
